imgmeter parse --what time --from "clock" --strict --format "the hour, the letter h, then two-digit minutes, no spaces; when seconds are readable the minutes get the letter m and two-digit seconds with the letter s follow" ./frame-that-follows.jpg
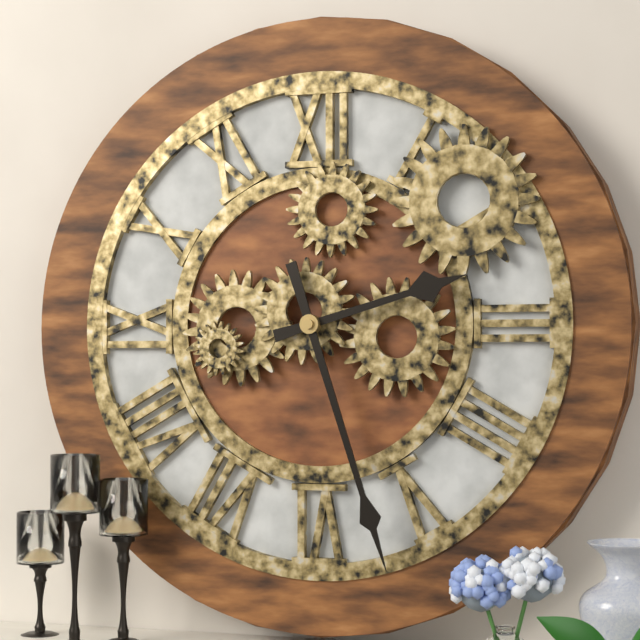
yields 2h27
